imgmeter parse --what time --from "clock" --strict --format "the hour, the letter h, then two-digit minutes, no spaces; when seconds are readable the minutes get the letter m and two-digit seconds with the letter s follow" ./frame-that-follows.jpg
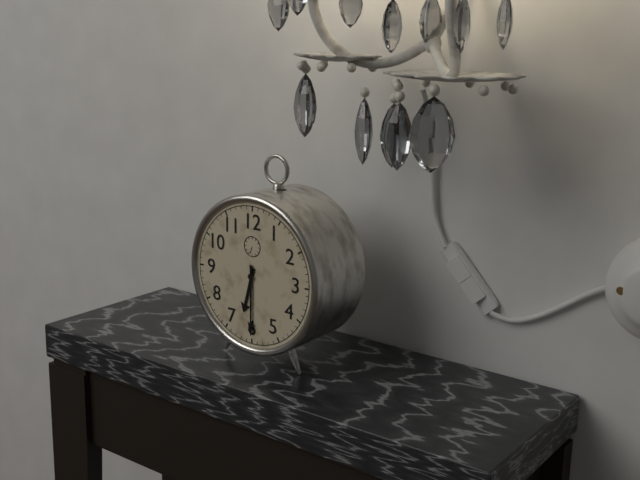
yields 6h30
